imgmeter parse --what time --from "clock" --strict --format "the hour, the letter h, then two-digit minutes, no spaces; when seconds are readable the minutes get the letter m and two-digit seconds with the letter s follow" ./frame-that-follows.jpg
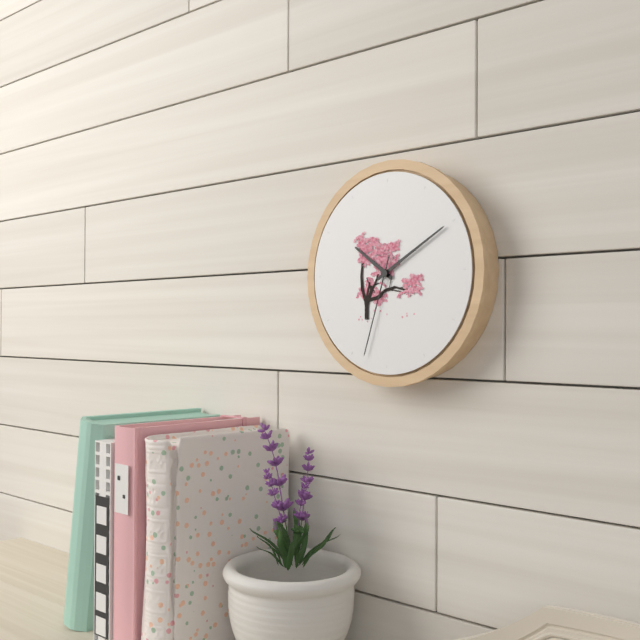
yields 10h10m33s
